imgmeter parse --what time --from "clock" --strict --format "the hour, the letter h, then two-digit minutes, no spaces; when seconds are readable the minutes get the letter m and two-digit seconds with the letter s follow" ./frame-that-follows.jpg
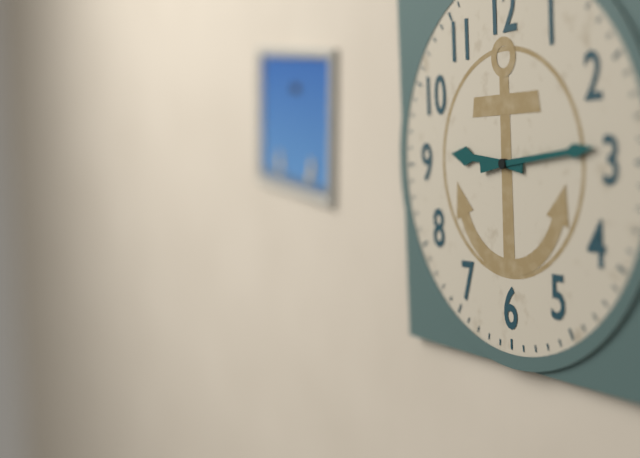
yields 9h14
